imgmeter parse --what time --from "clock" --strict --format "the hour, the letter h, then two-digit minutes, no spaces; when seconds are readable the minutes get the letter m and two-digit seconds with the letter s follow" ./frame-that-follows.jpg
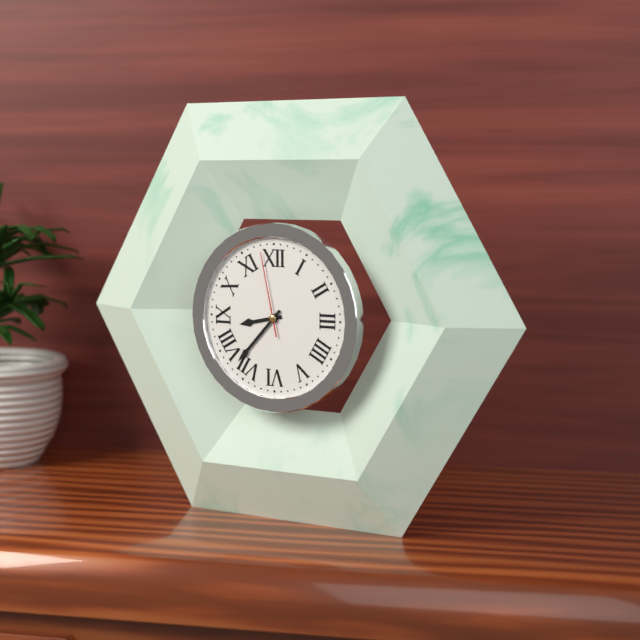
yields 8h37m58s
